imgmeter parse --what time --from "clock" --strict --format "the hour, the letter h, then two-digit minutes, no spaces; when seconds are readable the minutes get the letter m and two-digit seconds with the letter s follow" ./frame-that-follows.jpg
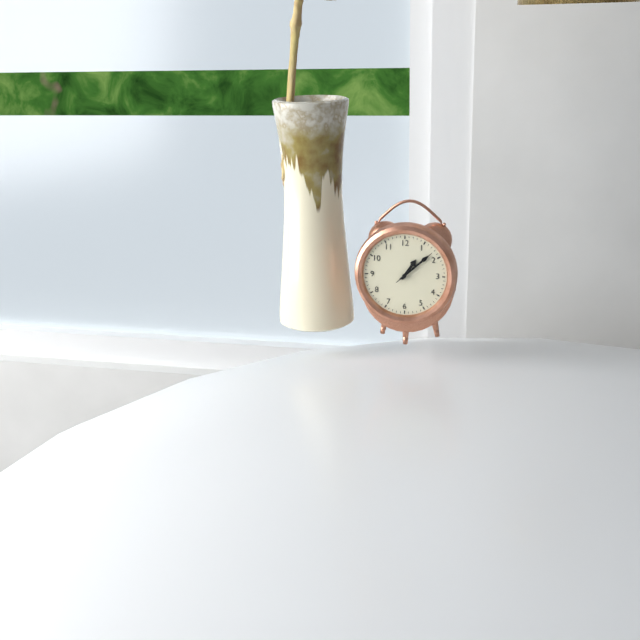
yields 1h08
